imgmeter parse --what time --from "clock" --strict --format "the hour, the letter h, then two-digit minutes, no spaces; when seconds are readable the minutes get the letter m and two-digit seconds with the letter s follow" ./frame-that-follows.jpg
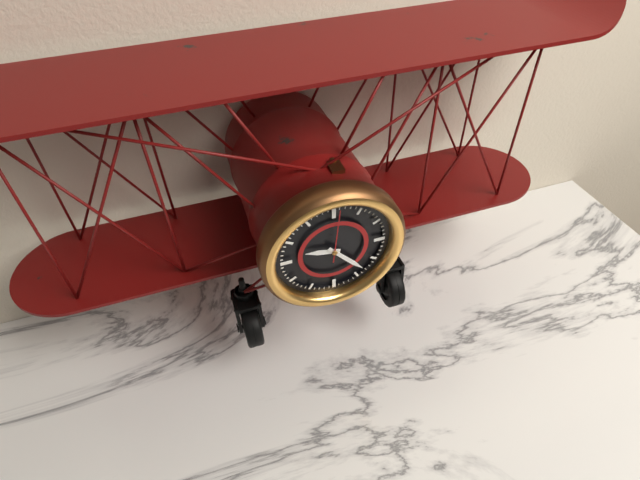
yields 9h23m01s
